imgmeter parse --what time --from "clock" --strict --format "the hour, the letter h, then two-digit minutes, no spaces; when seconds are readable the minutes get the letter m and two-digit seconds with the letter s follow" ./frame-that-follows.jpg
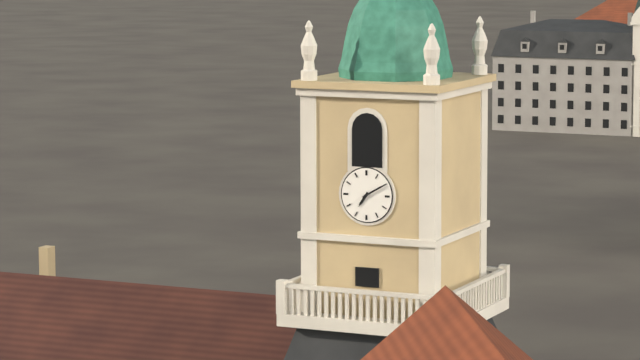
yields 7h10
